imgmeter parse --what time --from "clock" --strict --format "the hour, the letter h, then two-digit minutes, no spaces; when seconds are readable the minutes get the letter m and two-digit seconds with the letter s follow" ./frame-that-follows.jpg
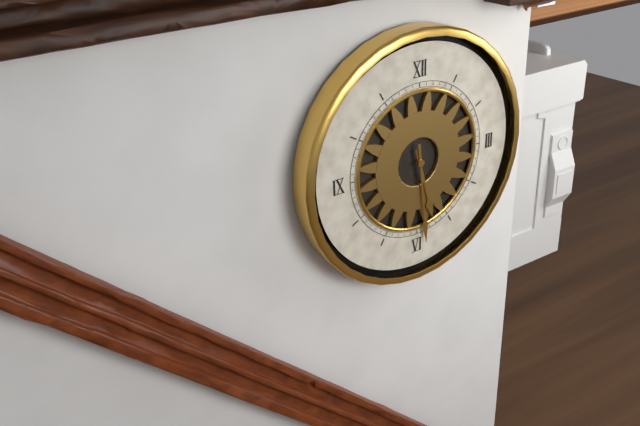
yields 5h29
